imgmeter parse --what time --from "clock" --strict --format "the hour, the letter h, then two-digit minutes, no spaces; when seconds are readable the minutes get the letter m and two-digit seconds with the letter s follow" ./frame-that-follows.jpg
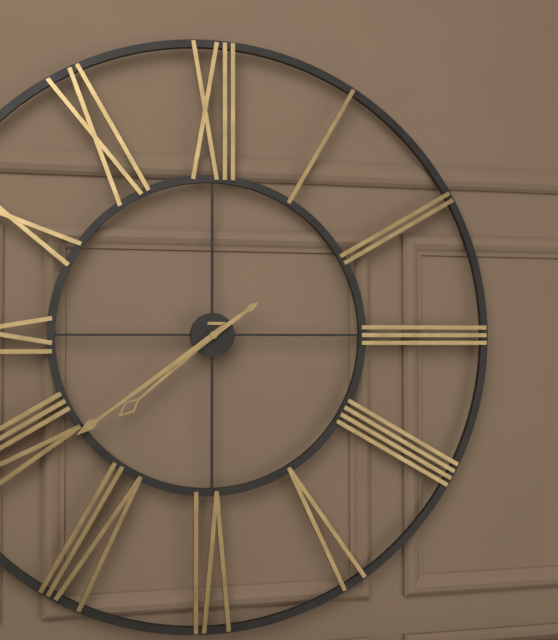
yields 7h39
